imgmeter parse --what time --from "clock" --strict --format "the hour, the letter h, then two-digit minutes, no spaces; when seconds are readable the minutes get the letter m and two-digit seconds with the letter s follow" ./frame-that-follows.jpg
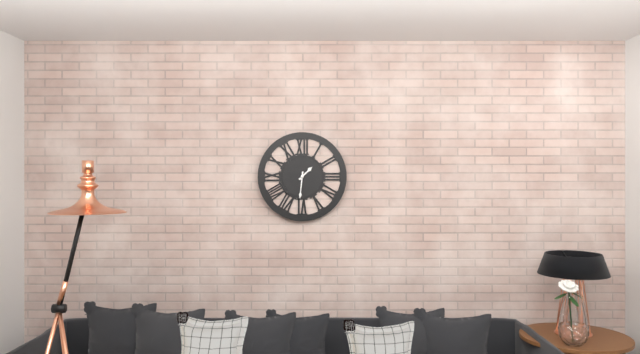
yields 1h31
